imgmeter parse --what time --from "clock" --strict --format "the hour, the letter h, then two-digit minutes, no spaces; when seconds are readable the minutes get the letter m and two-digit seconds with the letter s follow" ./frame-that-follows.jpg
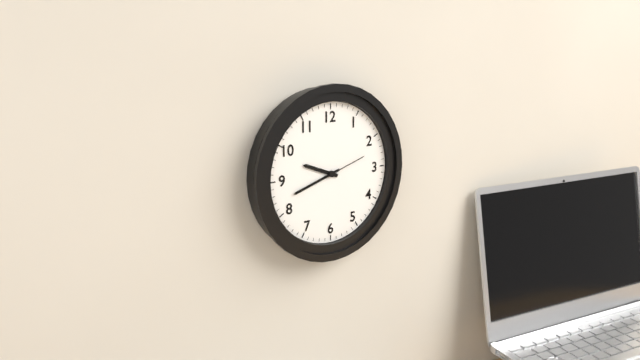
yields 9h42
